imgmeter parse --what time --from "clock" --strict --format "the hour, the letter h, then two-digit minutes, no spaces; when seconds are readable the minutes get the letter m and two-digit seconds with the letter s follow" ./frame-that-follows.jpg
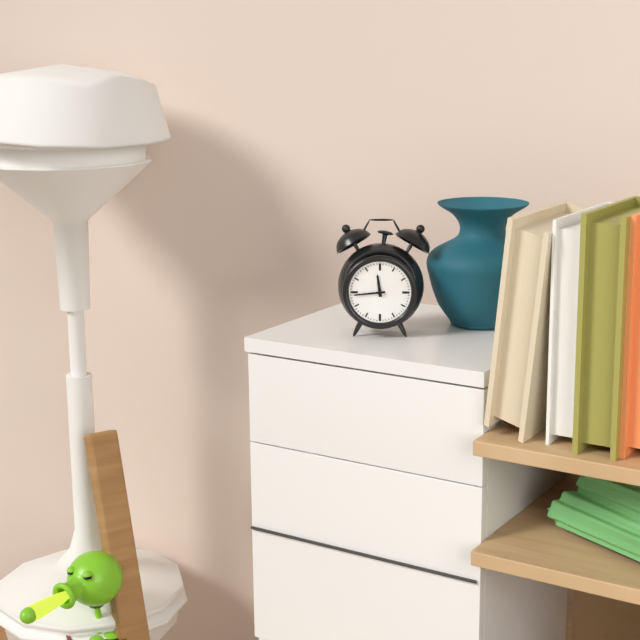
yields 11h44
